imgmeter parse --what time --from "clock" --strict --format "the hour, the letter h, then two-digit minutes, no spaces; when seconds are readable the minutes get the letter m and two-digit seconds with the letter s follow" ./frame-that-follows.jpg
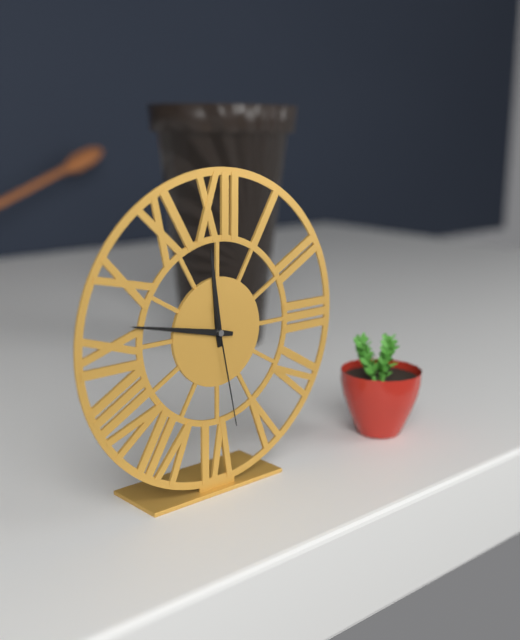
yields 11h47m28s
